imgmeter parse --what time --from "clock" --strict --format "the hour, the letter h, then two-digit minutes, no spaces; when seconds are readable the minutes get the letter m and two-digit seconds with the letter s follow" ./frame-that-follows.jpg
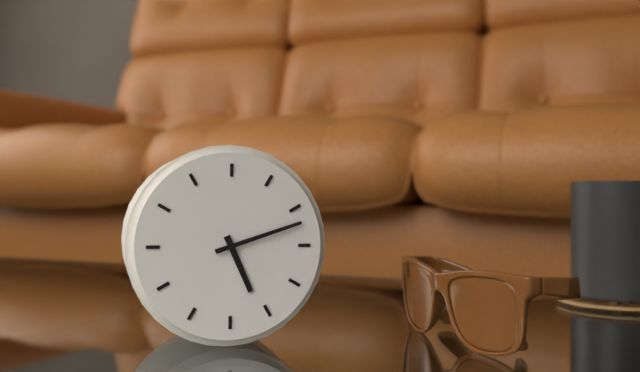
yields 5h12
